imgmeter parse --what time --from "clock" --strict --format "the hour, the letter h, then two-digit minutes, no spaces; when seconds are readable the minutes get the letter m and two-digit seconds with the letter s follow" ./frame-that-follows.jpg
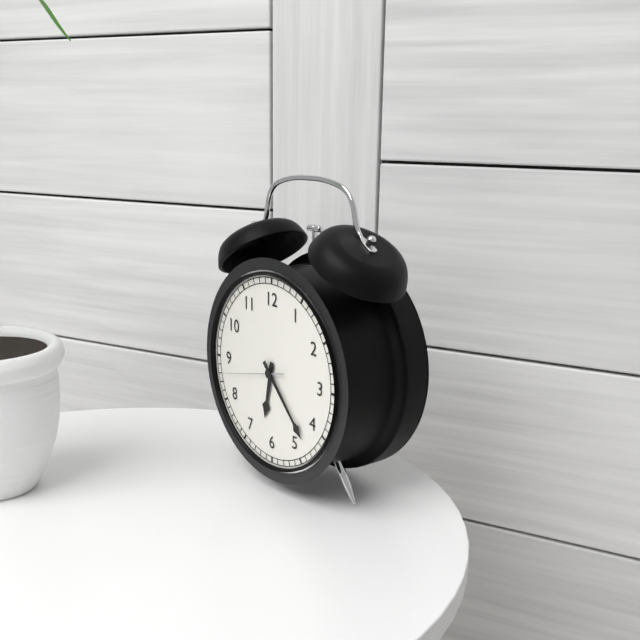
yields 6h23m43s
